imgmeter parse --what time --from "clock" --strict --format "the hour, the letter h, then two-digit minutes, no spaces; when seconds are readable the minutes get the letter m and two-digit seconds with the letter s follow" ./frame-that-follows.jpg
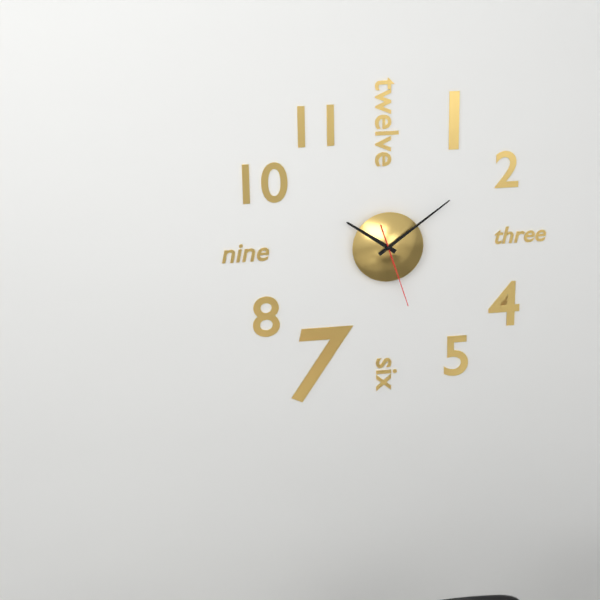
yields 10h09m27s
